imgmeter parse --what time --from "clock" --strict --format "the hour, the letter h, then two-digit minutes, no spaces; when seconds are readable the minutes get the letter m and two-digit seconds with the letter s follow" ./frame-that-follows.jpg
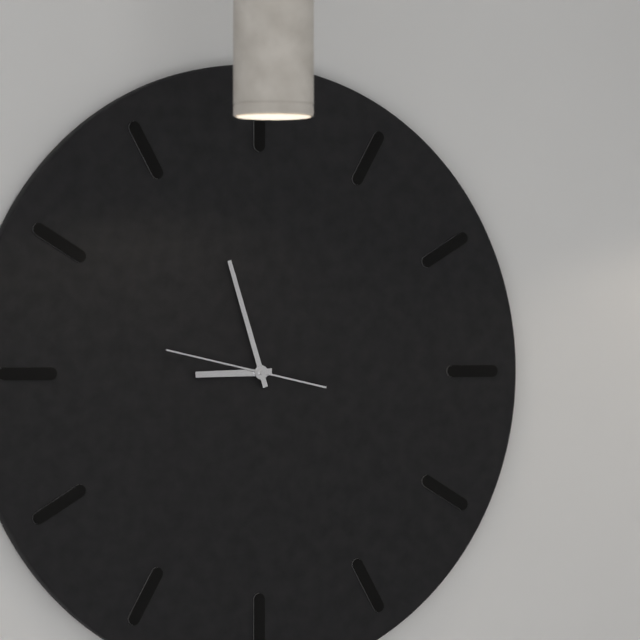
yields 8h57m47s
